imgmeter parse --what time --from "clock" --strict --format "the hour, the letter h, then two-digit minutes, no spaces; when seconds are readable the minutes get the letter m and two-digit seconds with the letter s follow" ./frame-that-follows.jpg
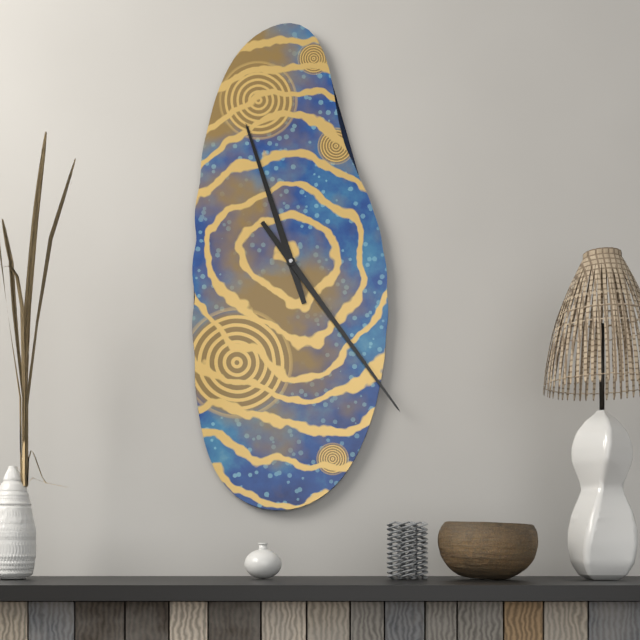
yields 11h24
